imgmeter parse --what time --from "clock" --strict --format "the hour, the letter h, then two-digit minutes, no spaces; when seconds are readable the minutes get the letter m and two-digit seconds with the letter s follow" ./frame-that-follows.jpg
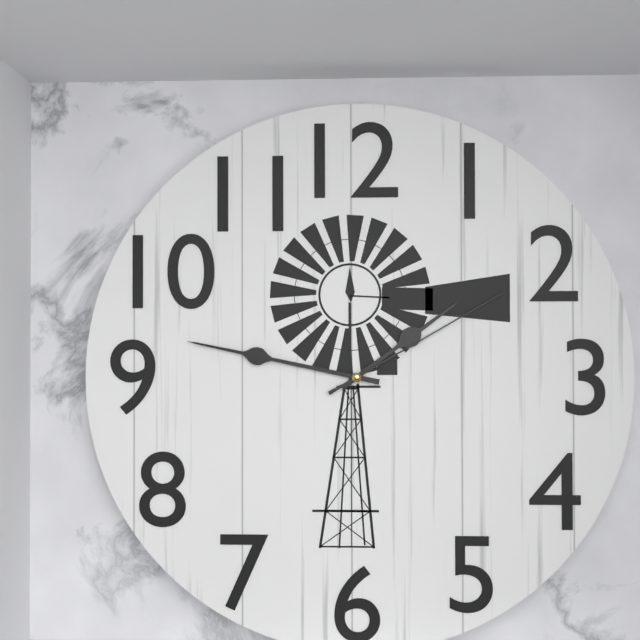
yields 1h47m10s
